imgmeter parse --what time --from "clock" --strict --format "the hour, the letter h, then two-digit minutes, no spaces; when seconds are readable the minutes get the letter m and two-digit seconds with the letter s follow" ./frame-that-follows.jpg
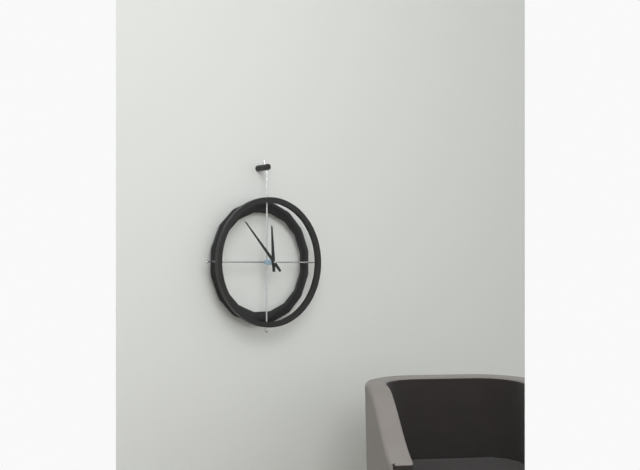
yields 11h53
